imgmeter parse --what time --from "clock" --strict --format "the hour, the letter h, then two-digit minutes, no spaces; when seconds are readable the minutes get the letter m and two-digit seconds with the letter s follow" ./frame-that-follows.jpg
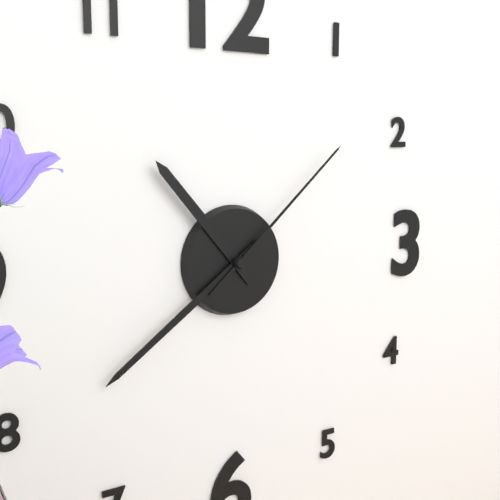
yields 10h39m08s
